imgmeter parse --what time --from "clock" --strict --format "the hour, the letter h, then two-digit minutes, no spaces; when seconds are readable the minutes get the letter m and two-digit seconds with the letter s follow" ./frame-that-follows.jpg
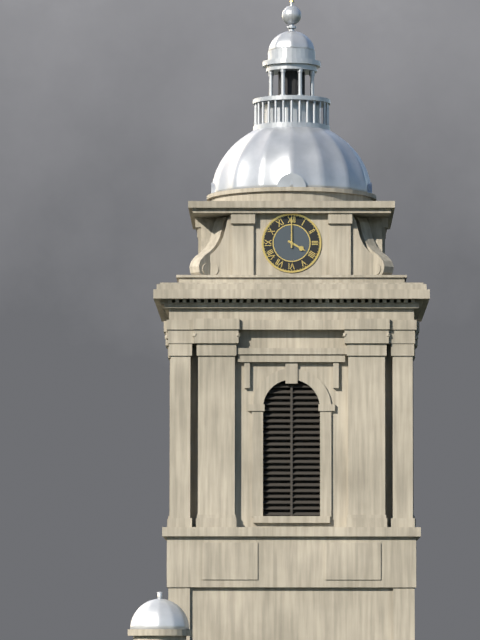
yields 4h00
